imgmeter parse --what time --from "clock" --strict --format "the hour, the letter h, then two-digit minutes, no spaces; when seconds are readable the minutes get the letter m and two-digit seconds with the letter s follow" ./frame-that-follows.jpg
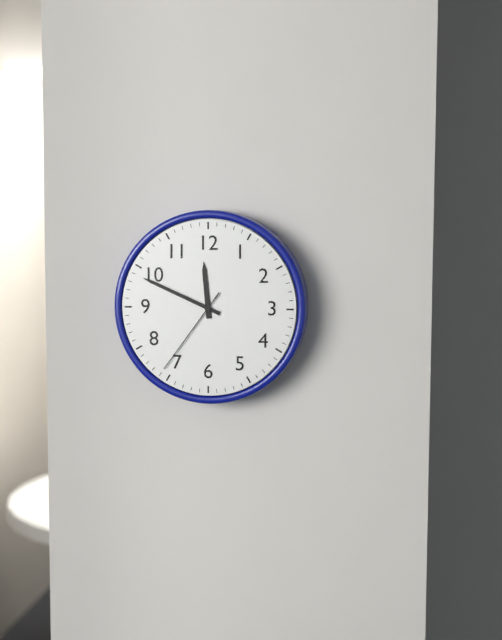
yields 11h49m36s
